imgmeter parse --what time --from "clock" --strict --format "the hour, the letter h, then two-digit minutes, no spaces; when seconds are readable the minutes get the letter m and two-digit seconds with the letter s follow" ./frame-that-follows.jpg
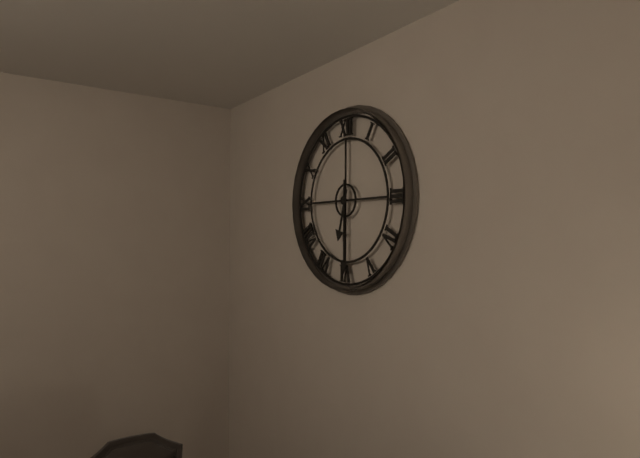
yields 6h30
